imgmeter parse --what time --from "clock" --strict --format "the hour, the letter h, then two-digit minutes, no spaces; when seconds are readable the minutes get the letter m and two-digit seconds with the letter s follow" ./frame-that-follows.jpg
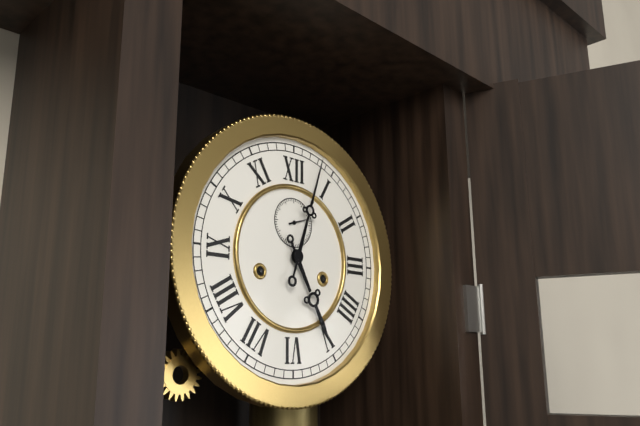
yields 5h03
